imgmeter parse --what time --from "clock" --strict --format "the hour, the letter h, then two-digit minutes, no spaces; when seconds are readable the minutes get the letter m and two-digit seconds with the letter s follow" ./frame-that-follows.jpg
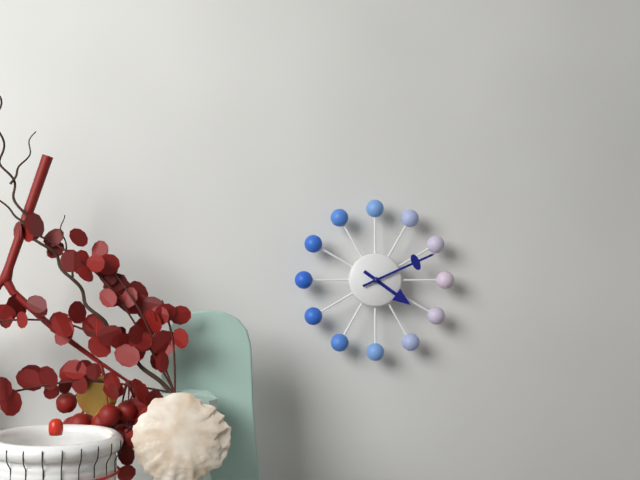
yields 4h11
